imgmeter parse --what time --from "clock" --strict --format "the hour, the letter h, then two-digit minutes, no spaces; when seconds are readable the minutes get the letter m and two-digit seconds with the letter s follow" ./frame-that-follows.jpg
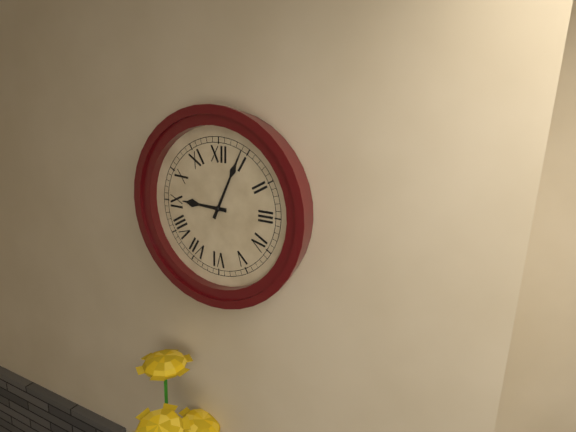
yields 9h04
